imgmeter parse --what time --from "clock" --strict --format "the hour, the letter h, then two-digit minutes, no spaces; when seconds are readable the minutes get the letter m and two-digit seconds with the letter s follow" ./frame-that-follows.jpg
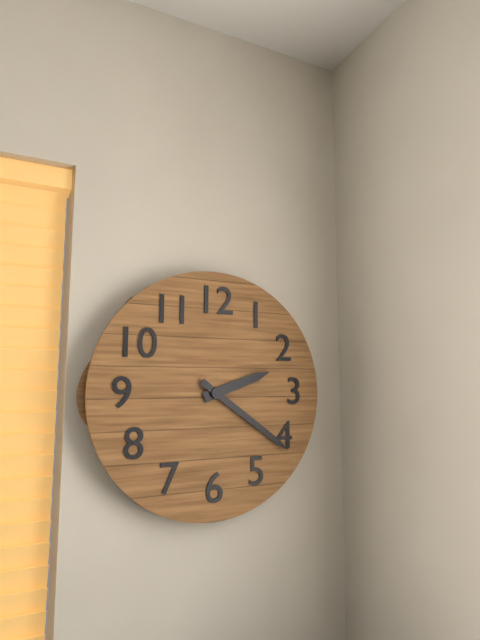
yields 2h21
